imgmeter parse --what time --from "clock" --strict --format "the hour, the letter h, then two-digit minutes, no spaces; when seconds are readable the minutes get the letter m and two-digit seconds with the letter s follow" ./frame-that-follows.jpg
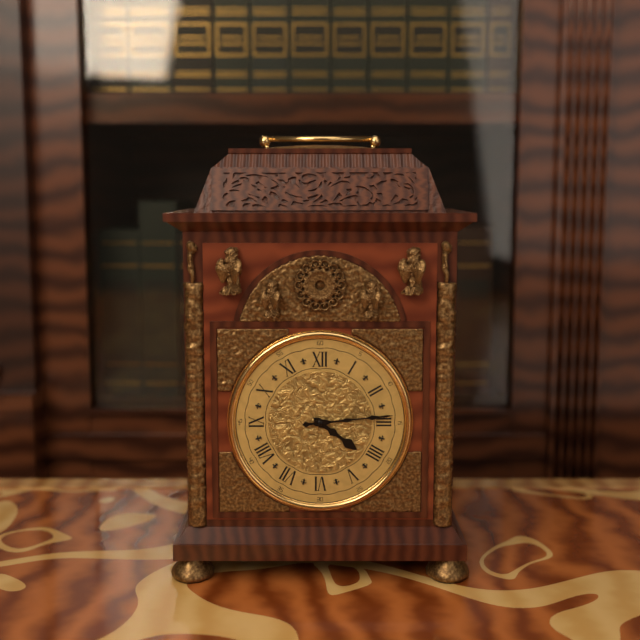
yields 4h14
